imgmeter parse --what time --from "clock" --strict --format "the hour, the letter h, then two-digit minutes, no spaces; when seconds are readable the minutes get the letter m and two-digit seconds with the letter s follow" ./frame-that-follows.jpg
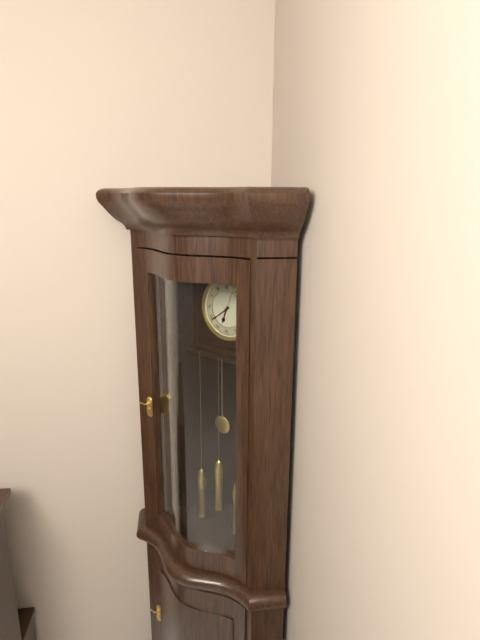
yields 6h39
